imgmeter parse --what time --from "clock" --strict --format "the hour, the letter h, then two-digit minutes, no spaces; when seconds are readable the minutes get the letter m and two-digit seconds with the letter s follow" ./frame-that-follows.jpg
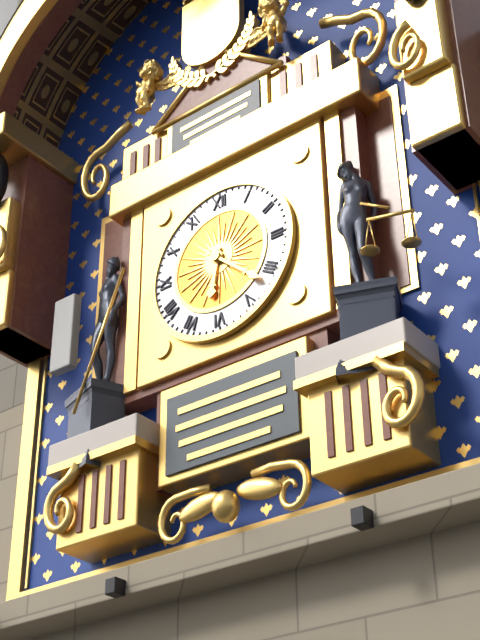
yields 6h22
